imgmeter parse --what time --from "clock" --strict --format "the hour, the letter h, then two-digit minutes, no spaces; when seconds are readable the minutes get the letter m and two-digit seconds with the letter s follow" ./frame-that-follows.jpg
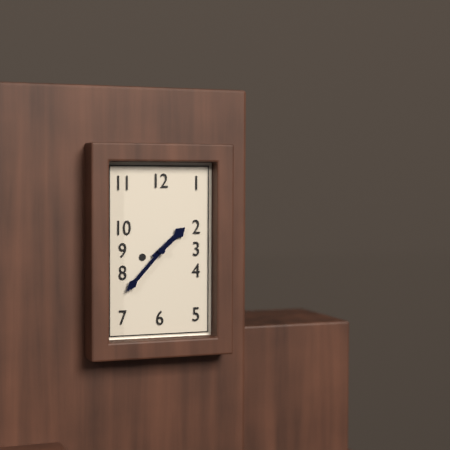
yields 1h37
